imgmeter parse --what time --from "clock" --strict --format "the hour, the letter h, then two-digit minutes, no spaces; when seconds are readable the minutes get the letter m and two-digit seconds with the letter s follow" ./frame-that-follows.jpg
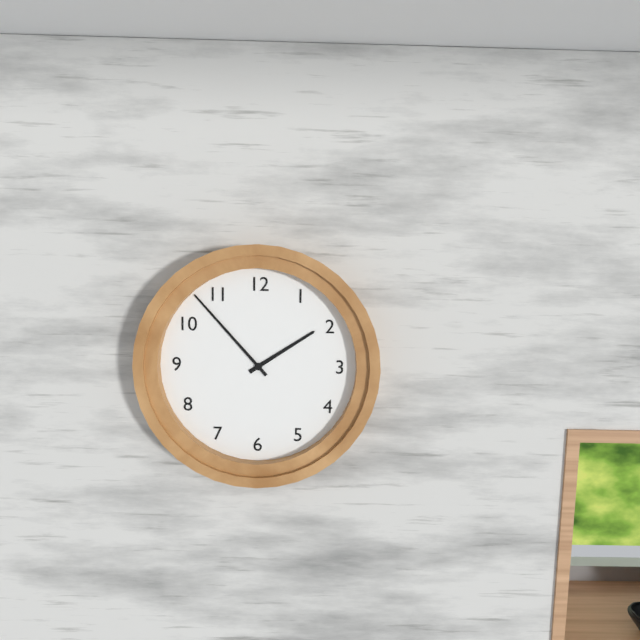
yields 1h53
